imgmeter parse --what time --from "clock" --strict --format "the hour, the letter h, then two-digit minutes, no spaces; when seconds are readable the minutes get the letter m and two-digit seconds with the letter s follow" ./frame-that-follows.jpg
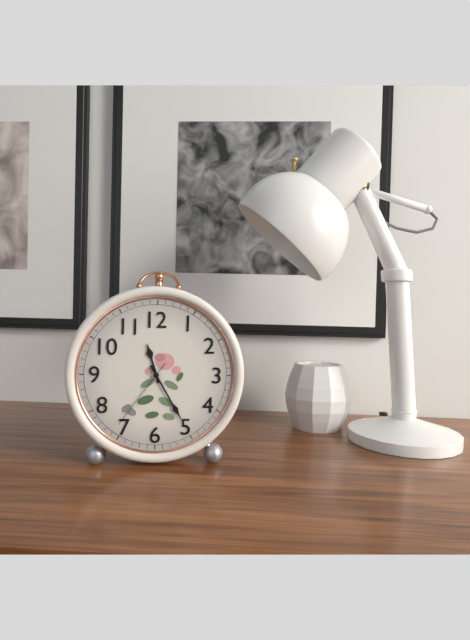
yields 11h25m36s
